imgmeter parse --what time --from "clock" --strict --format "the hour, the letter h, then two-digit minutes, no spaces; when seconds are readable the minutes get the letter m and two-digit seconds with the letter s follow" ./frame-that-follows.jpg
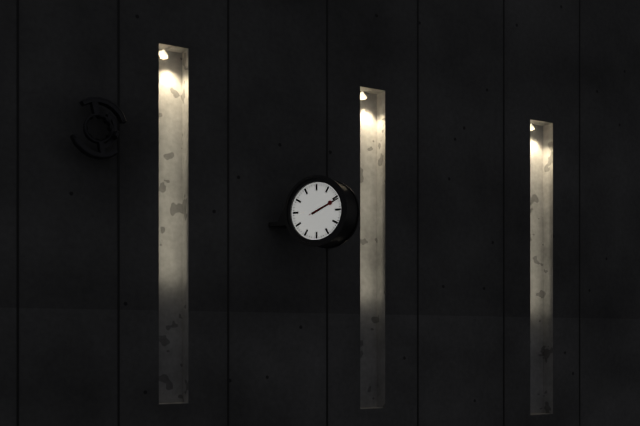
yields 2h11
